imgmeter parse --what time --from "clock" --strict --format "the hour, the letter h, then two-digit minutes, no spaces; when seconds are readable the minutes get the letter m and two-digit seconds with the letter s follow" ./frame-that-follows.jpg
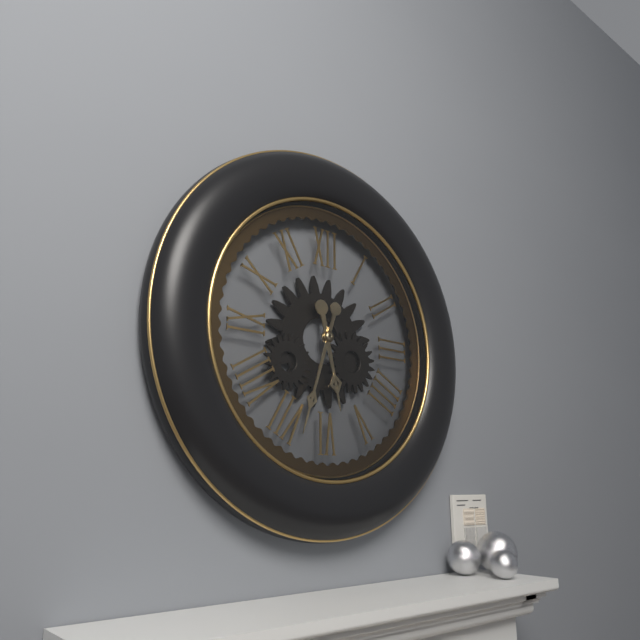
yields 5h33
